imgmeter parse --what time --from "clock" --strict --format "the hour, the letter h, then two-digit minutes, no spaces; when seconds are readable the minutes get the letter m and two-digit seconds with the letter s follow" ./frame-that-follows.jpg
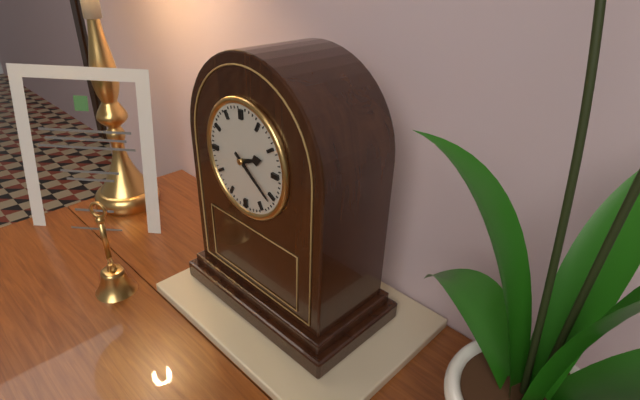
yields 2h21
